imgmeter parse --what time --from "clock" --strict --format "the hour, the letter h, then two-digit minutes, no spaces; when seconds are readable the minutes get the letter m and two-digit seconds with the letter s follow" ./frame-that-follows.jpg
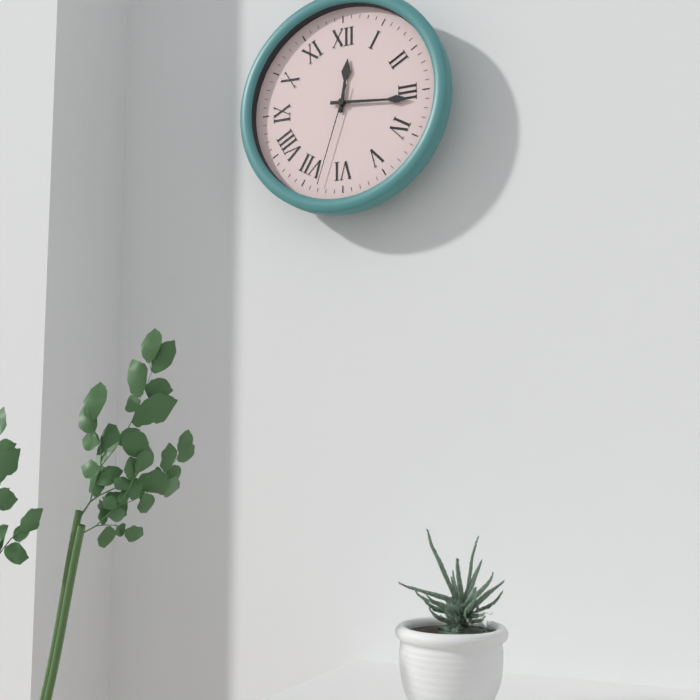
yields 12h16m33s
